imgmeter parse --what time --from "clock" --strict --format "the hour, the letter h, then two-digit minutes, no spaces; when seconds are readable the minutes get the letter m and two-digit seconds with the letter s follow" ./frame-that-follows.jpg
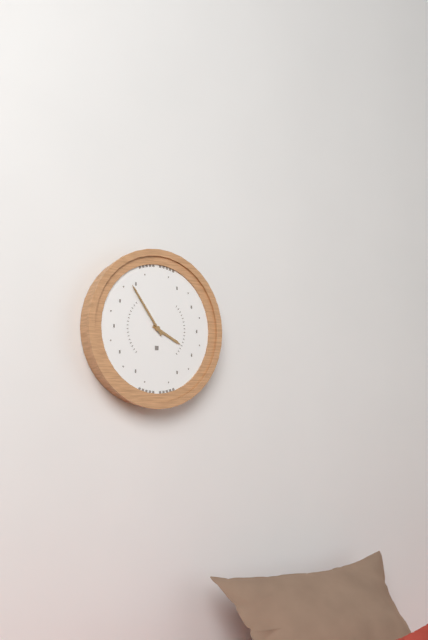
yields 3h54
